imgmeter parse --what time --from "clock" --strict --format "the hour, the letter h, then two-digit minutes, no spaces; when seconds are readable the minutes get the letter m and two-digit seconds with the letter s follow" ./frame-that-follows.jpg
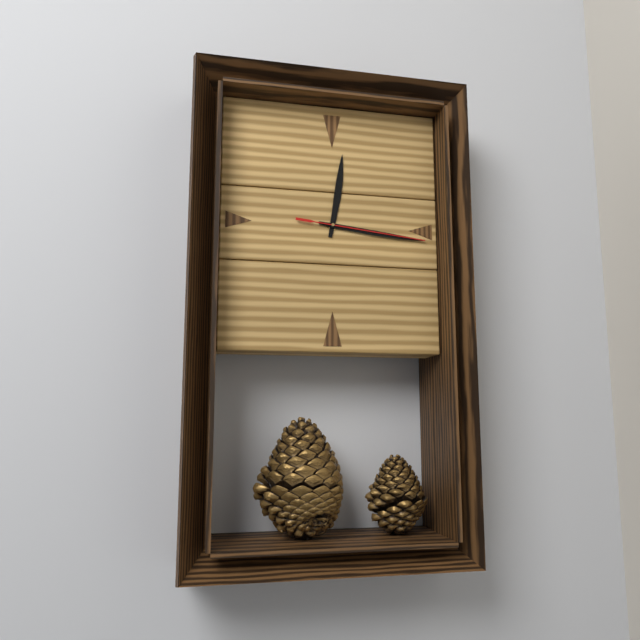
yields 12h16m16s
